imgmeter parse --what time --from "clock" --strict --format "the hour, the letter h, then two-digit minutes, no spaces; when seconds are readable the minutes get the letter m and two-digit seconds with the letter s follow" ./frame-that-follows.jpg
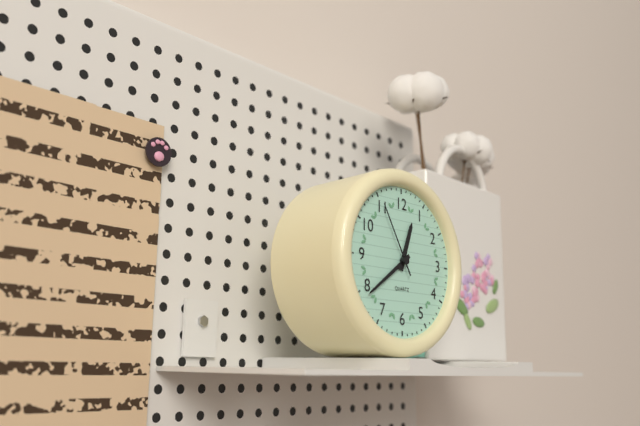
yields 12h39m55s
